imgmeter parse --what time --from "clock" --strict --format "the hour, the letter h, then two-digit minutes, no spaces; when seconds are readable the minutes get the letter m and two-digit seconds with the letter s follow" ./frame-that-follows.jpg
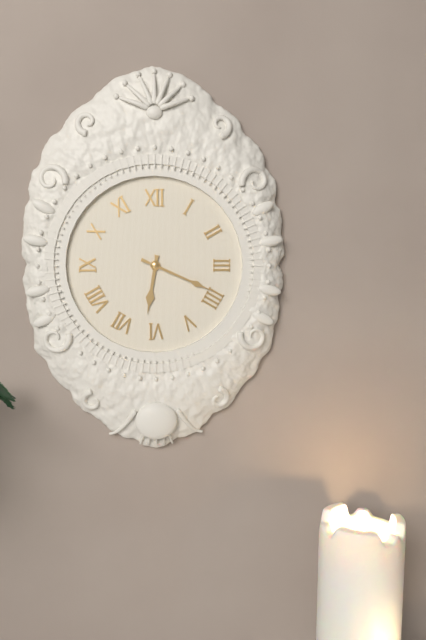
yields 6h19
